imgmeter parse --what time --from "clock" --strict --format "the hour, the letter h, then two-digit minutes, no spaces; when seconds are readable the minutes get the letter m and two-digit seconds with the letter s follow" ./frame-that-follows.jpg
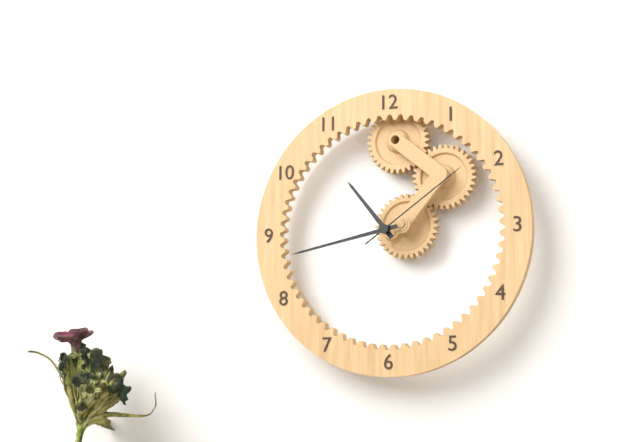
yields 10h43m09s
